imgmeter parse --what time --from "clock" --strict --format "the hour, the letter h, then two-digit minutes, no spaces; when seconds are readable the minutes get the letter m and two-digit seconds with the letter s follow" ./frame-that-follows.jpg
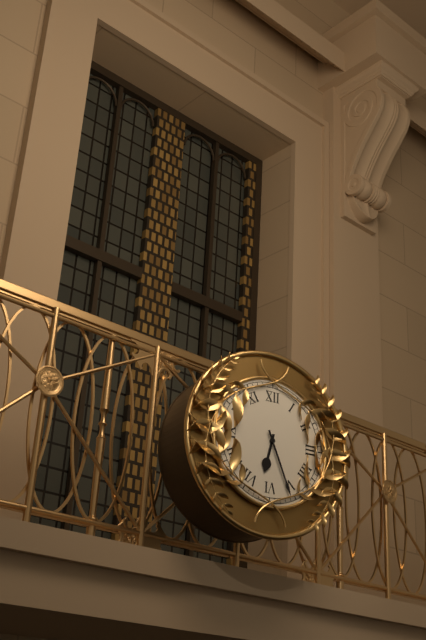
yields 6h26
